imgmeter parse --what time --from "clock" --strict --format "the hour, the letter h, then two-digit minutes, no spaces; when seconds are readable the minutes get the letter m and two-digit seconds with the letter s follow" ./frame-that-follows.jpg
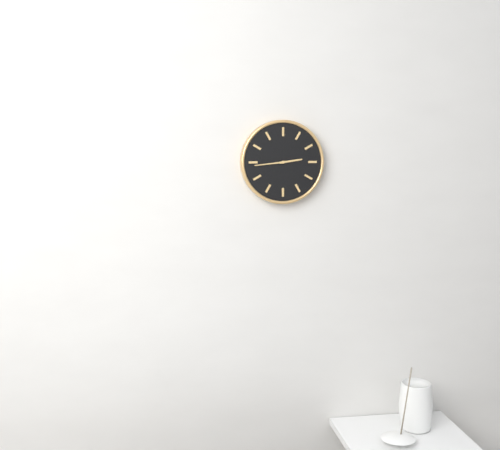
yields 2h44
